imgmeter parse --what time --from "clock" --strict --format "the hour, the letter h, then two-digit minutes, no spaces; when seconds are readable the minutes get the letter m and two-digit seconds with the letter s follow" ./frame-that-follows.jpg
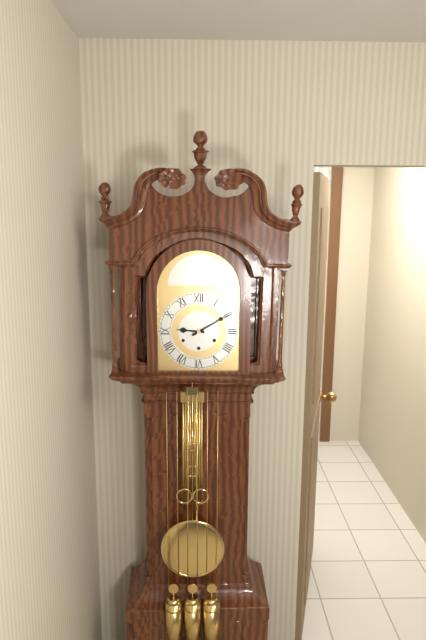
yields 9h10
